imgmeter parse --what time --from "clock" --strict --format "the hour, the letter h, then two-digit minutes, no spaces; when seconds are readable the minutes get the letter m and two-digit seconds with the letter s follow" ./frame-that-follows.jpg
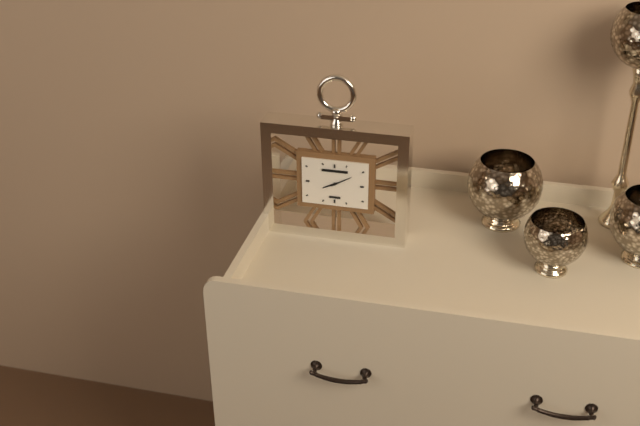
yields 8h10
